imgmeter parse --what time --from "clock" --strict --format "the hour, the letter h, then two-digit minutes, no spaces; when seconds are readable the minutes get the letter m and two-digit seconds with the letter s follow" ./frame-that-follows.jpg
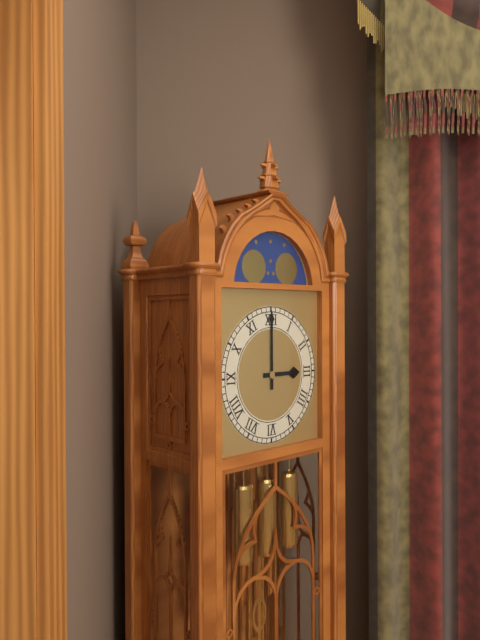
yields 3h00
